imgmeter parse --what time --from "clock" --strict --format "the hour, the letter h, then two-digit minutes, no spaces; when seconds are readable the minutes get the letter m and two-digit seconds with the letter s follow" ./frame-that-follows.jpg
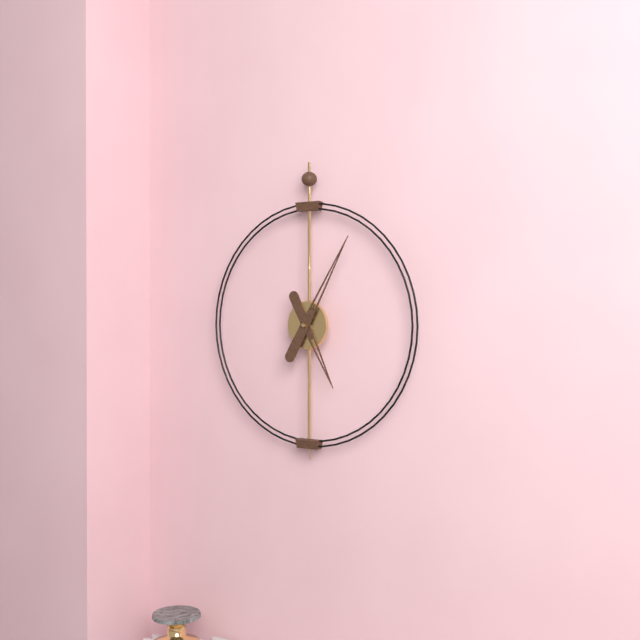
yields 5h05
